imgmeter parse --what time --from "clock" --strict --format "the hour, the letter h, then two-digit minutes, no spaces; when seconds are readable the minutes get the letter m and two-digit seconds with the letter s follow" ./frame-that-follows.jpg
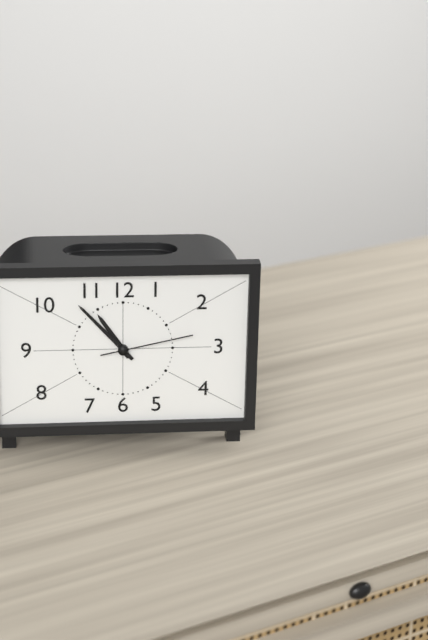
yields 10h53m13s
